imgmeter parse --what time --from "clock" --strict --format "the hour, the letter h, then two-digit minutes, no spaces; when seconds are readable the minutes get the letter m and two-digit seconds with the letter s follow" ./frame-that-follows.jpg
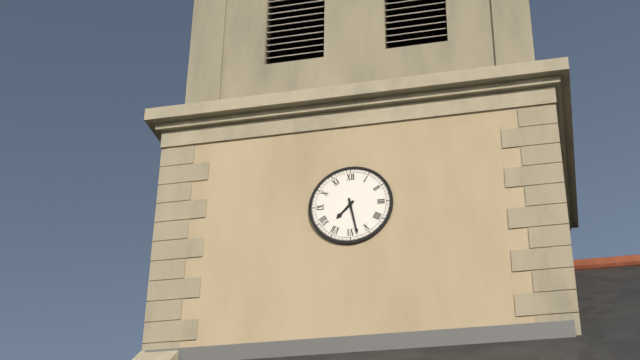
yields 7h28
